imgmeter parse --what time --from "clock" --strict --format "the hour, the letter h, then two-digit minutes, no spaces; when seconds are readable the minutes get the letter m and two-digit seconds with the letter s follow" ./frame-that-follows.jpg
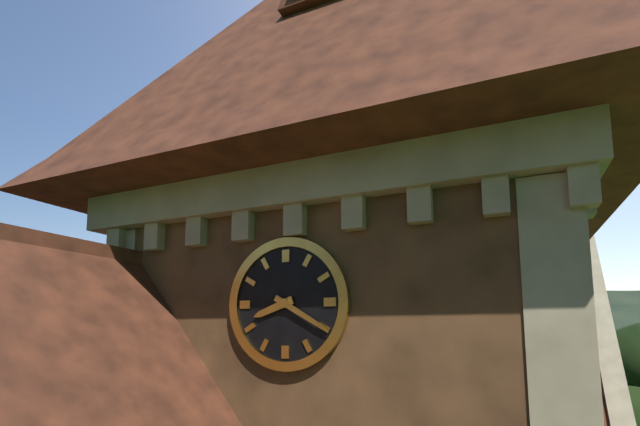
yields 8h20
